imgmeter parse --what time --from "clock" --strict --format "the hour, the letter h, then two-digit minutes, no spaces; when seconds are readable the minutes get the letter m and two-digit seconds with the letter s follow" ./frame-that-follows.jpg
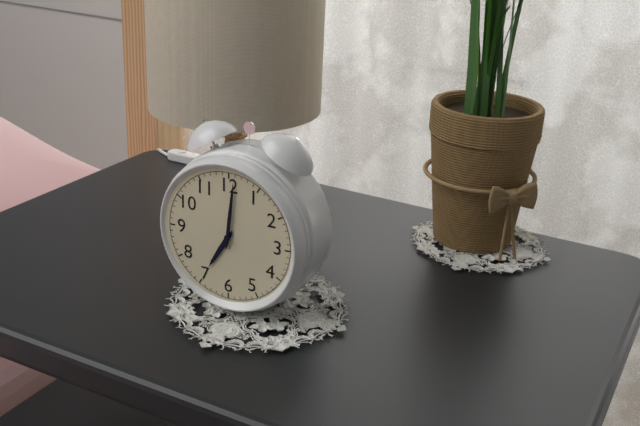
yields 7h01
